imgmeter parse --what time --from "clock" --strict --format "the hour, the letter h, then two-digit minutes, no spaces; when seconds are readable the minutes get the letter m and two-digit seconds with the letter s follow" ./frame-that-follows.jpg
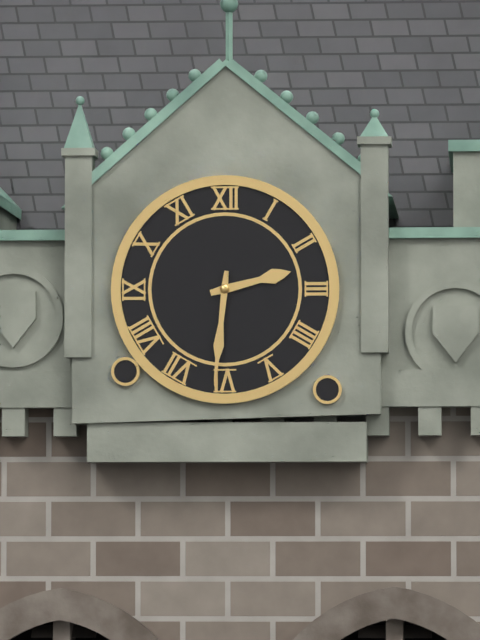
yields 2h31
